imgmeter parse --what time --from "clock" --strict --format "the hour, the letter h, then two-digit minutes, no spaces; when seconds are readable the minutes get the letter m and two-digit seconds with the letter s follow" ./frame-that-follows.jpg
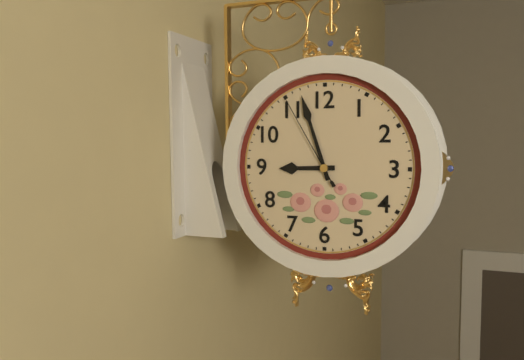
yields 8h57m55s
